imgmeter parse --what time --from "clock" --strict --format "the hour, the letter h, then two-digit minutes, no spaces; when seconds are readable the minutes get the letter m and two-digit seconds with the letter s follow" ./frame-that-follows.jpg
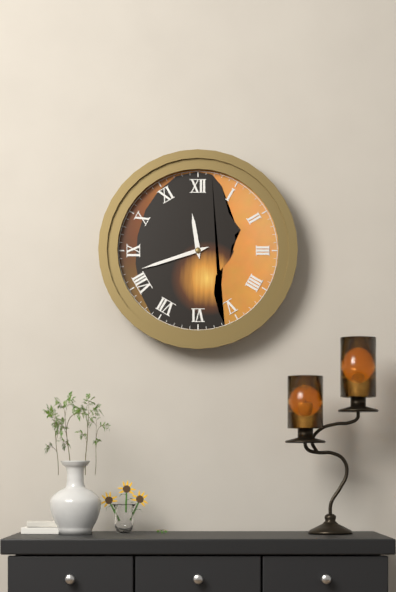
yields 11h42
